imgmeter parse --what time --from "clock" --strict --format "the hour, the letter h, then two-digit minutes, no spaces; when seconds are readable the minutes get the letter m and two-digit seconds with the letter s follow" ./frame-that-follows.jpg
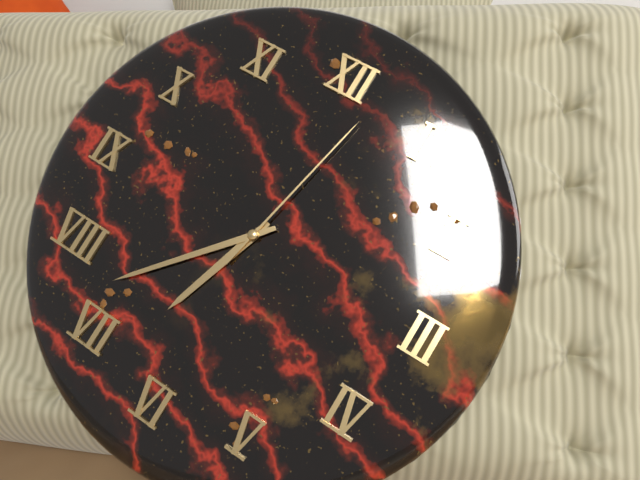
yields 6h37m02s
